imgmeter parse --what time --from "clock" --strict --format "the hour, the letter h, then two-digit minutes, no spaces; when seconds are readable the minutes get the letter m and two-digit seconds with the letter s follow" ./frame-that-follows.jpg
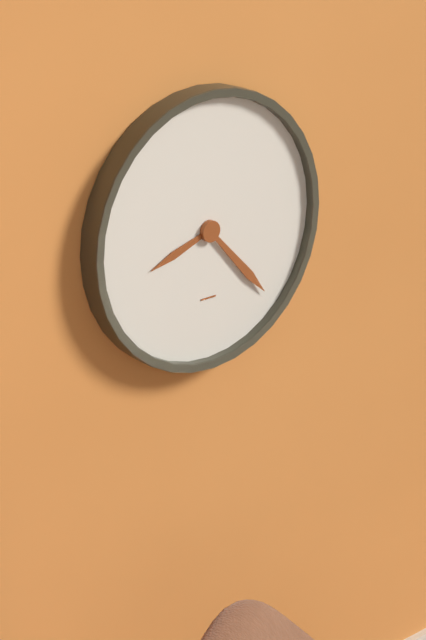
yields 8h23
